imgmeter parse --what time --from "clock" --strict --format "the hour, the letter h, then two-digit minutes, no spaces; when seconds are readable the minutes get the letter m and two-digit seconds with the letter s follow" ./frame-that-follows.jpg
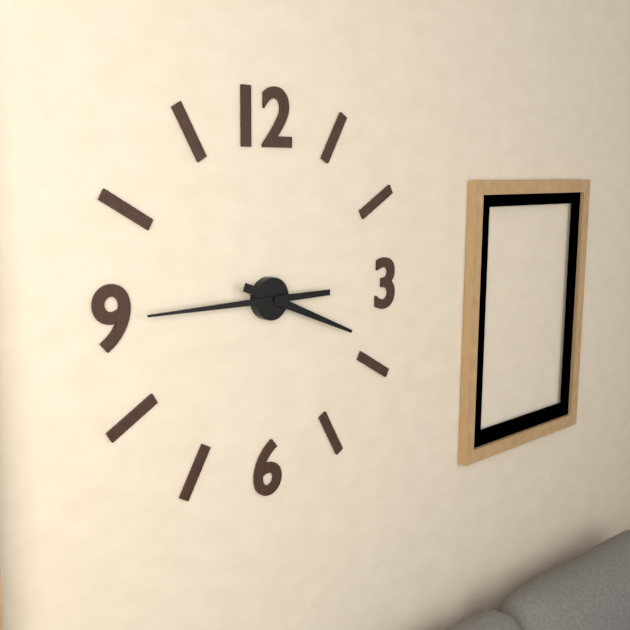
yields 3h45
